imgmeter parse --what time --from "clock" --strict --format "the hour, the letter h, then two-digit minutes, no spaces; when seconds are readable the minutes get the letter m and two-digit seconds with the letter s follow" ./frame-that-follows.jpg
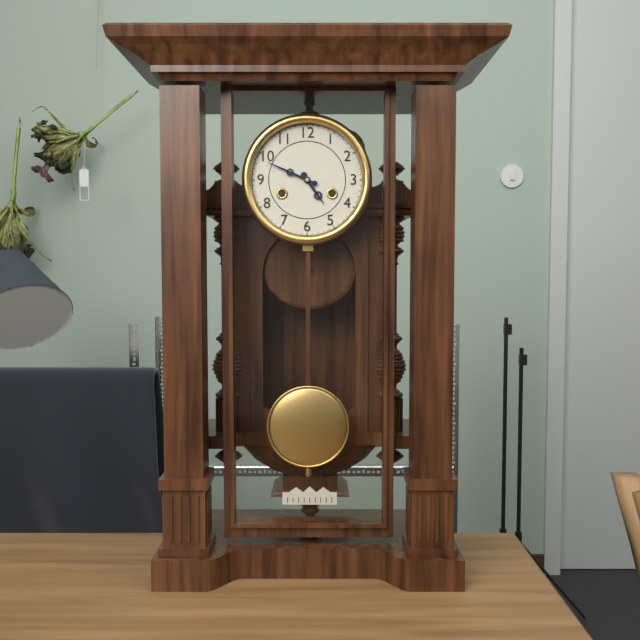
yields 4h49
